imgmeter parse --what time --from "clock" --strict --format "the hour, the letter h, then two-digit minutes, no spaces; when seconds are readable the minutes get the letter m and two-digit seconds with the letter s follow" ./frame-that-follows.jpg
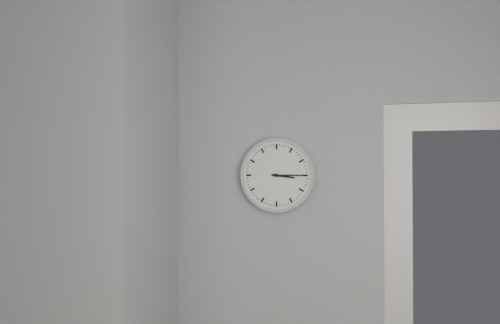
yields 3h15
